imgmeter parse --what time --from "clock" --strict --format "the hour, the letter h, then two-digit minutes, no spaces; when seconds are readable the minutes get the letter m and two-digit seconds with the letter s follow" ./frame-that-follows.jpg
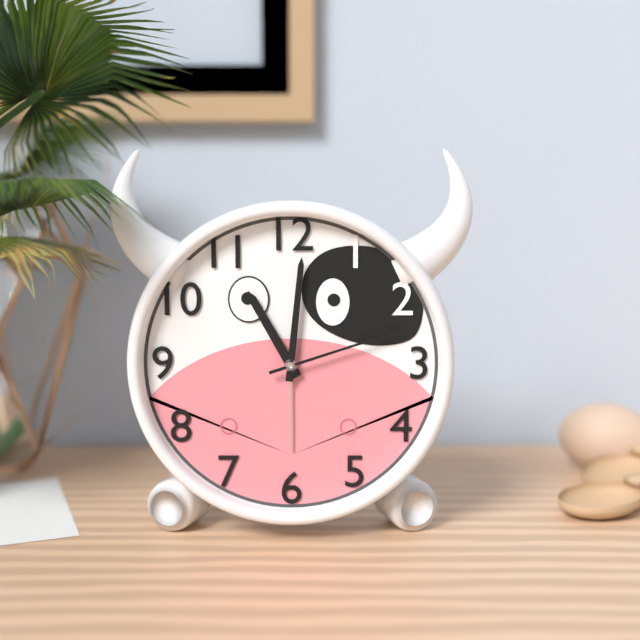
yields 11h01m12s
